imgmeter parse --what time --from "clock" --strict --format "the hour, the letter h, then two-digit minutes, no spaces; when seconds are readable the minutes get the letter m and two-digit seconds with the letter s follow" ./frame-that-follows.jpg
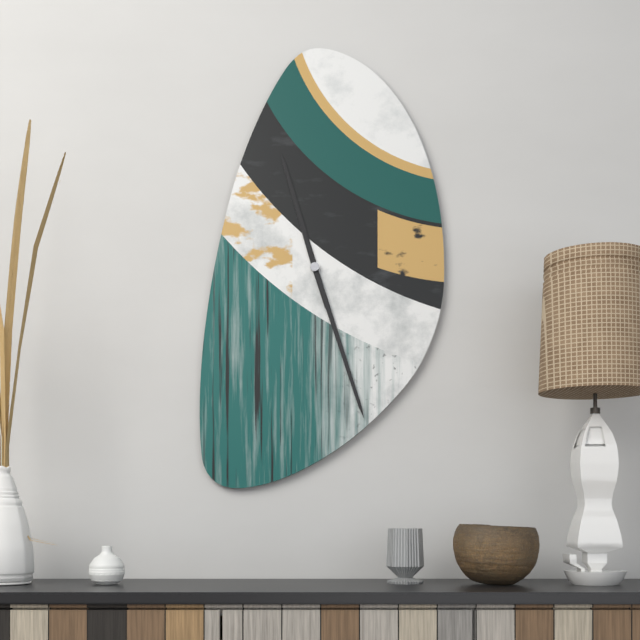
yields 11h27
